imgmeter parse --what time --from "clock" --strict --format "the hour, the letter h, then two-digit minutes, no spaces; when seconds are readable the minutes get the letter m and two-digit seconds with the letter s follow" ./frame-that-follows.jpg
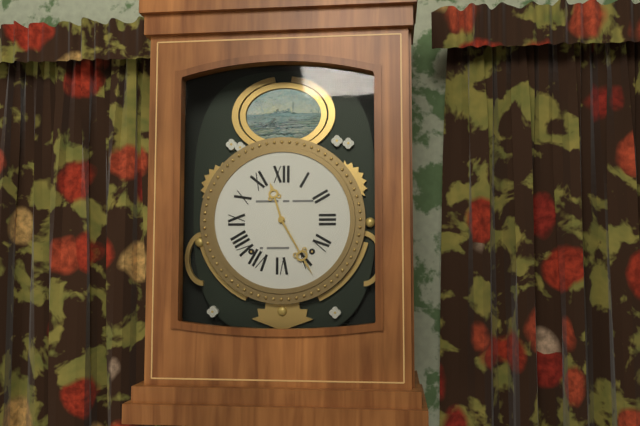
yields 11h25
